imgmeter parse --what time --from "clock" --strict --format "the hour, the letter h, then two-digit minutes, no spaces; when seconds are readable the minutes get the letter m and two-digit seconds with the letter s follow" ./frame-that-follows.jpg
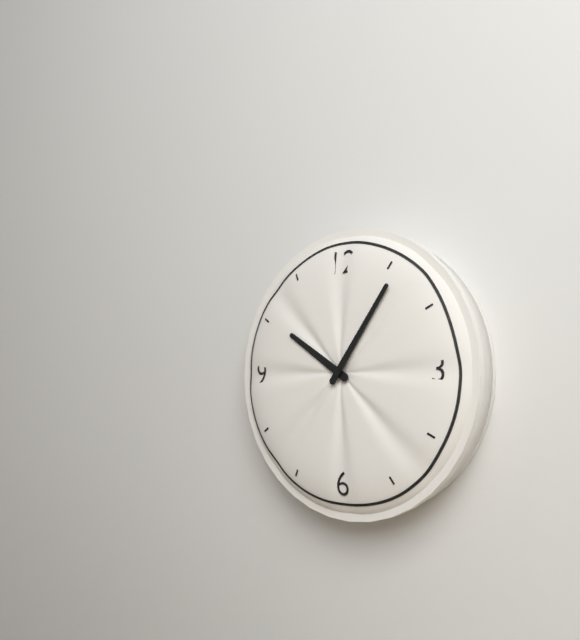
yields 10h06
